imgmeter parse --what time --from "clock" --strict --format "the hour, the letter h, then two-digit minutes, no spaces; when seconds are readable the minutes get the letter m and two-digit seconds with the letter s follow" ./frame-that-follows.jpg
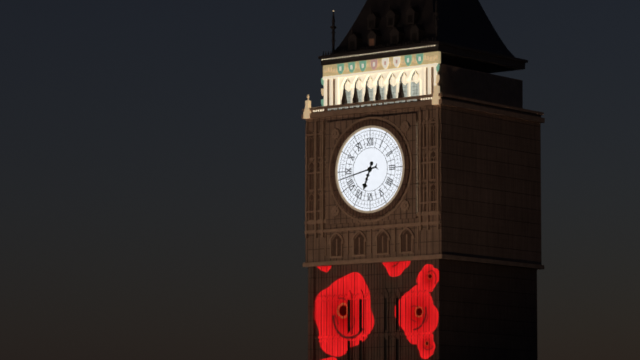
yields 6h43
